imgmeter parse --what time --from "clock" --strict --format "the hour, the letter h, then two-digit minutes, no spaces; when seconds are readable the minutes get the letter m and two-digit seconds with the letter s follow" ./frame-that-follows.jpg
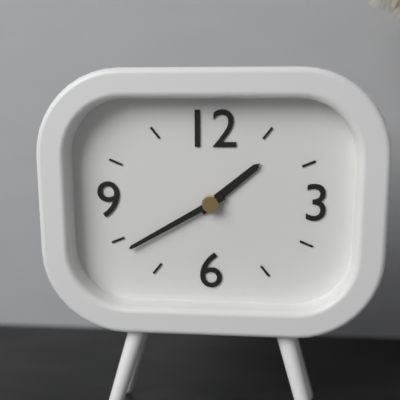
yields 1h40
